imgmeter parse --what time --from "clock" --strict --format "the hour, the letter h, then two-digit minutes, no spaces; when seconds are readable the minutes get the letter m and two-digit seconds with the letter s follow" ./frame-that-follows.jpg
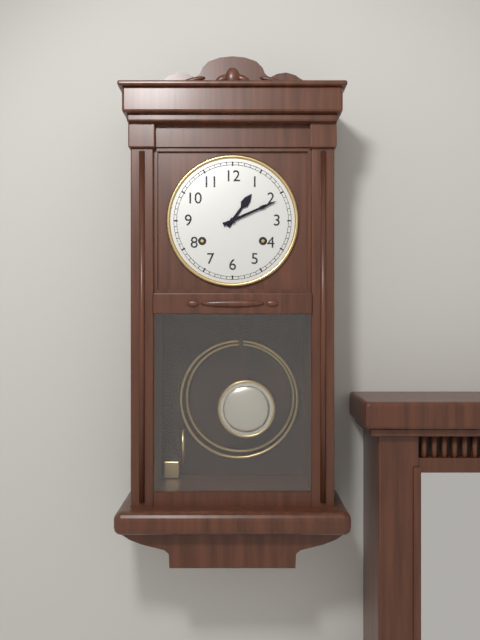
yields 1h11
